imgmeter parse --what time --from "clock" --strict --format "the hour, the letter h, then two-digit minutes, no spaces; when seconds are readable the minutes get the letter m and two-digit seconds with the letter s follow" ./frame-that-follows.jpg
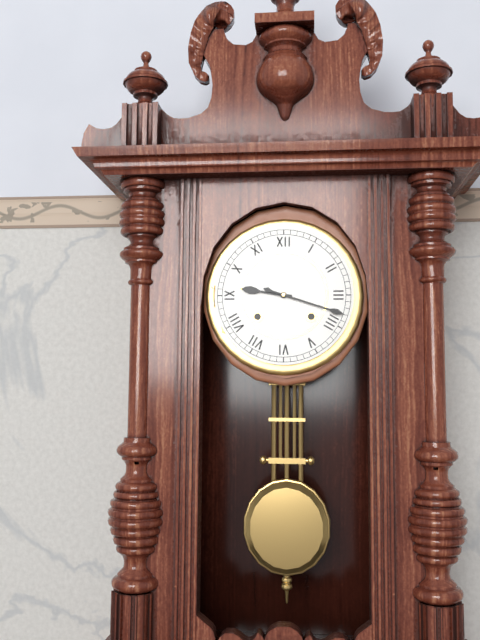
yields 9h18
